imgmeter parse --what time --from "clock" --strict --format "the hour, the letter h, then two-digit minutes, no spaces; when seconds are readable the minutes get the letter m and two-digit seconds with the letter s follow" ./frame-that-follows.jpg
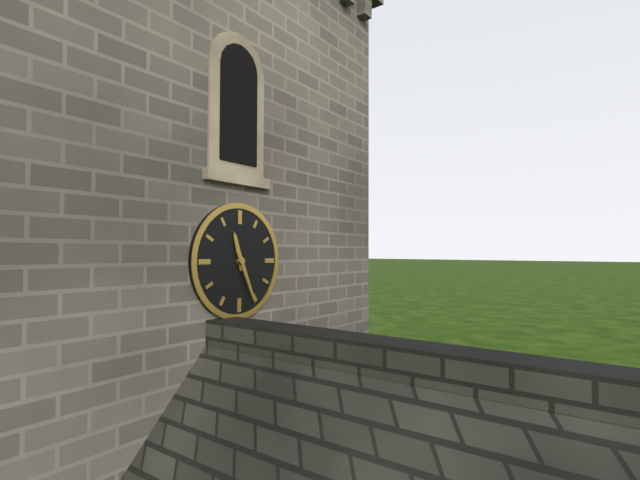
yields 11h26
